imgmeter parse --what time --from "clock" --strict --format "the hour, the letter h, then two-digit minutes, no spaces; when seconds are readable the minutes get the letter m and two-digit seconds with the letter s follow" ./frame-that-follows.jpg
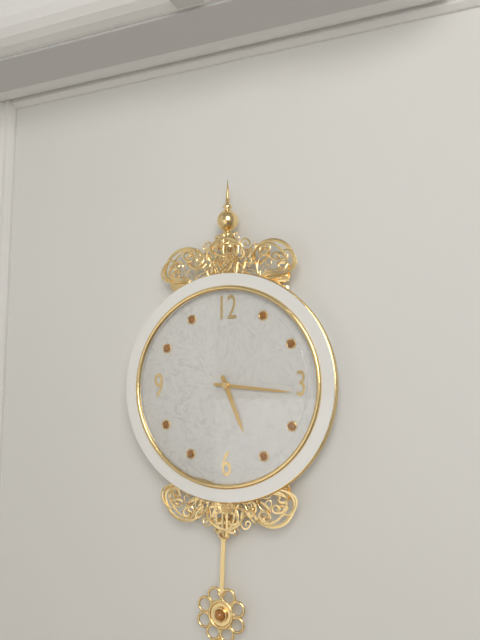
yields 5h16
